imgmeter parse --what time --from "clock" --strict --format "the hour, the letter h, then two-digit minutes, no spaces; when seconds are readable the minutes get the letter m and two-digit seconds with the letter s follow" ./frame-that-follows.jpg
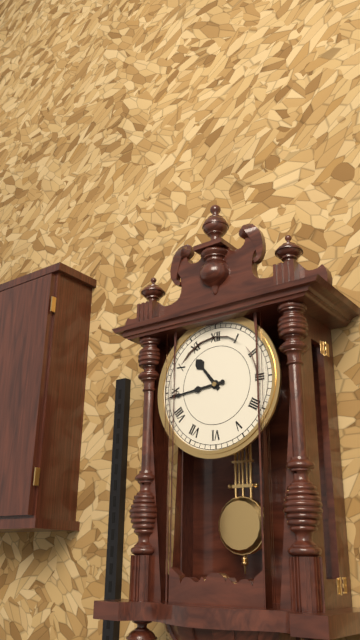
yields 10h44
